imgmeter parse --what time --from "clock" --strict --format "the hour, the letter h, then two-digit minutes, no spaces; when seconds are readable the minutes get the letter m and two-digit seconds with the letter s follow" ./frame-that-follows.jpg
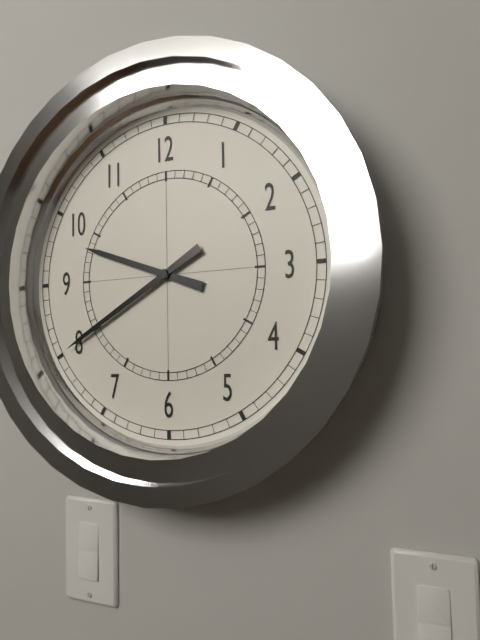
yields 9h40
